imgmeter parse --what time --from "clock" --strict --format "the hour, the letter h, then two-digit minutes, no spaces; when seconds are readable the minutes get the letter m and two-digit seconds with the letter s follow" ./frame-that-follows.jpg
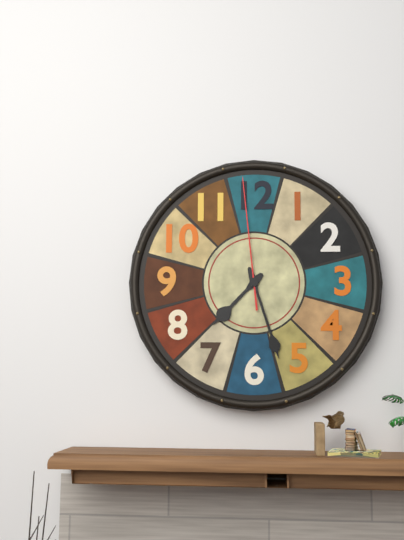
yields 7h27m59s
